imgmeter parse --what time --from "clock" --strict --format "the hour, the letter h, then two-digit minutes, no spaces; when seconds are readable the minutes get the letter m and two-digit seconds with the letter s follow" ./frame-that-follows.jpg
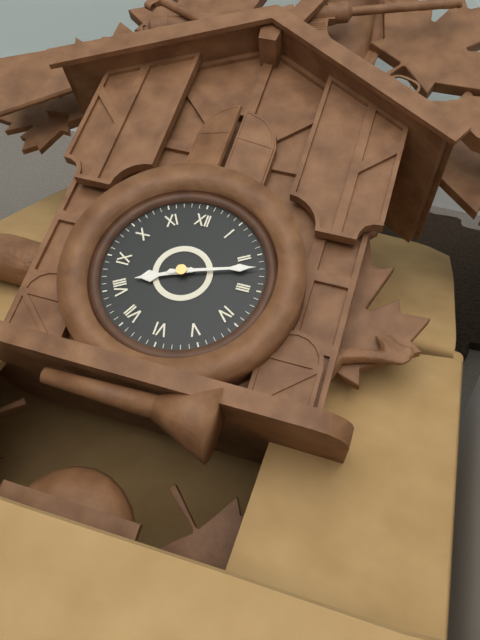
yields 8h12
